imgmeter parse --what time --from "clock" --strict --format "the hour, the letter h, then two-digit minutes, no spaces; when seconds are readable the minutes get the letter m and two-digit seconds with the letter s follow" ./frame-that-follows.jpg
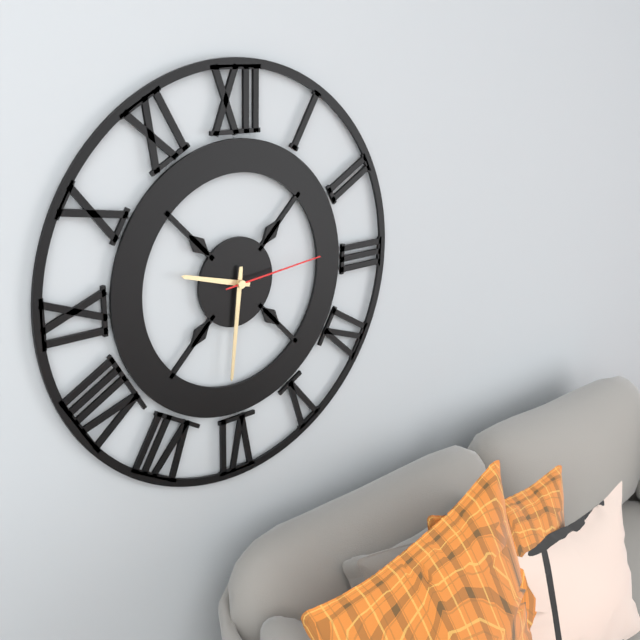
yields 9h31m14s
